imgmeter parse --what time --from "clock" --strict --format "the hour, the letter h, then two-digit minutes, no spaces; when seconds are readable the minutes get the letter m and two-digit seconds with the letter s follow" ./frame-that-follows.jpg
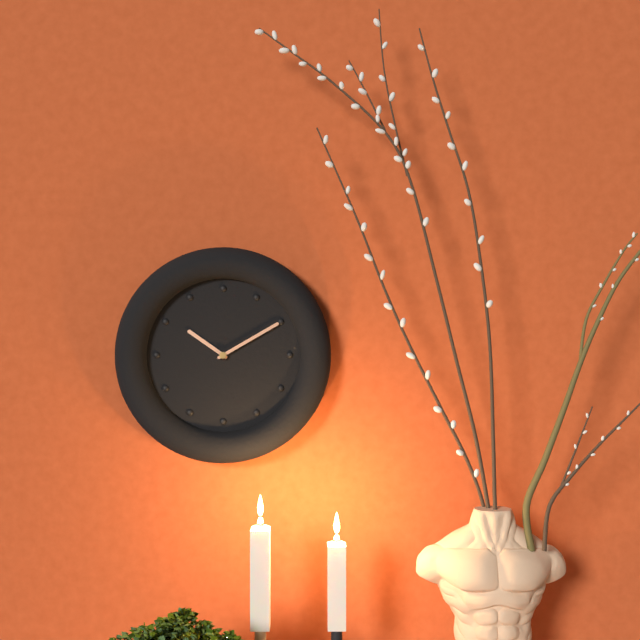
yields 10h10
